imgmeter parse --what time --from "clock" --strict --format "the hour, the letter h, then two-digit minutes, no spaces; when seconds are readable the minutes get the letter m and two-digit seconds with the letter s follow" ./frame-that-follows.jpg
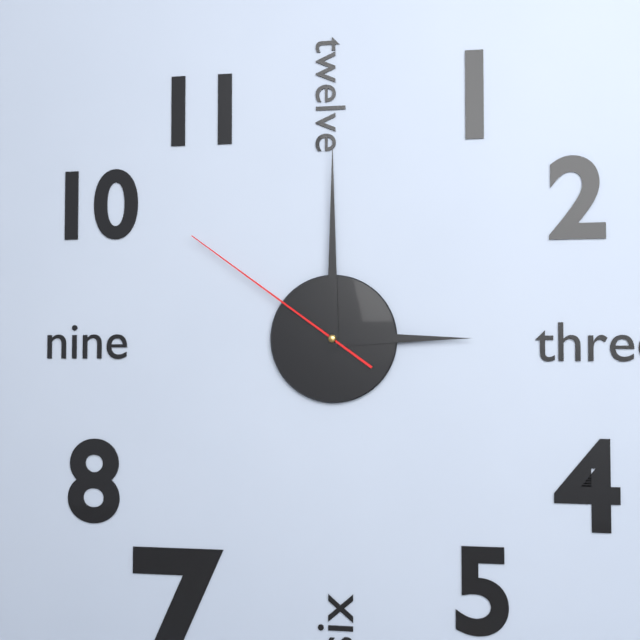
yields 3h00m51s
